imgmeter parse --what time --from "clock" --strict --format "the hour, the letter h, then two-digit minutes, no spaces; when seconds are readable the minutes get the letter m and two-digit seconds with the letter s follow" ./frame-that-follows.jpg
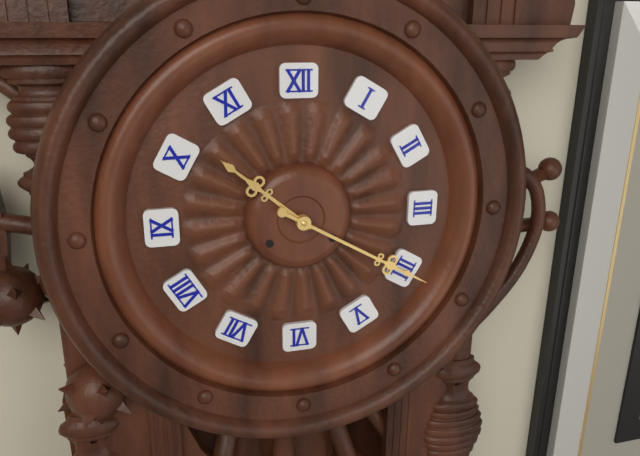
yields 10h20
